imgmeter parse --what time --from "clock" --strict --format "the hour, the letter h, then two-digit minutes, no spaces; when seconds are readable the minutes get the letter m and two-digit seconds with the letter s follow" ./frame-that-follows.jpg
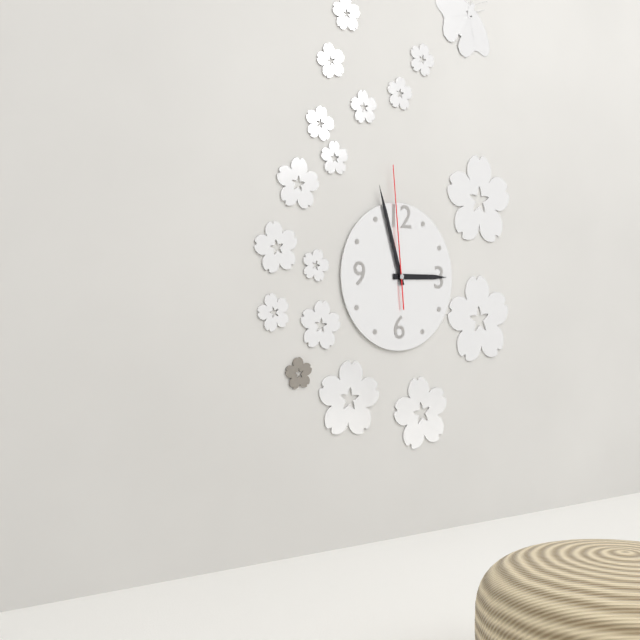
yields 2h57m59s
